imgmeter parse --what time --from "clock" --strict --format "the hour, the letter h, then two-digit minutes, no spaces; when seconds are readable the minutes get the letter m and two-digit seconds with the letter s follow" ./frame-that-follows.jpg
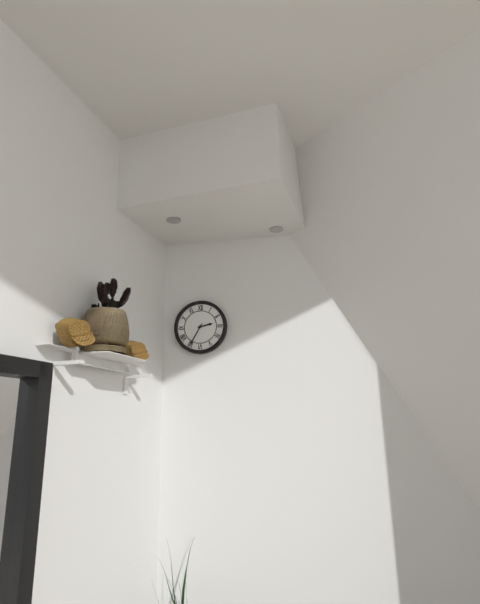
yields 2h35
